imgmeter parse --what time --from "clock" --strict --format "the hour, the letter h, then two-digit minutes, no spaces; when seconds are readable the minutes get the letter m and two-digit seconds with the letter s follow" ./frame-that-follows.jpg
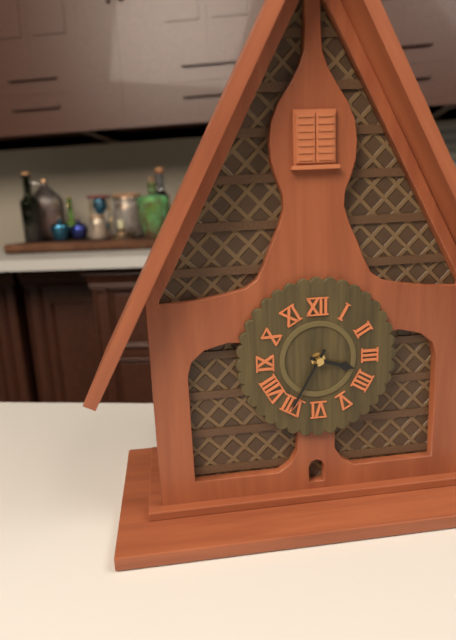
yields 3h35
